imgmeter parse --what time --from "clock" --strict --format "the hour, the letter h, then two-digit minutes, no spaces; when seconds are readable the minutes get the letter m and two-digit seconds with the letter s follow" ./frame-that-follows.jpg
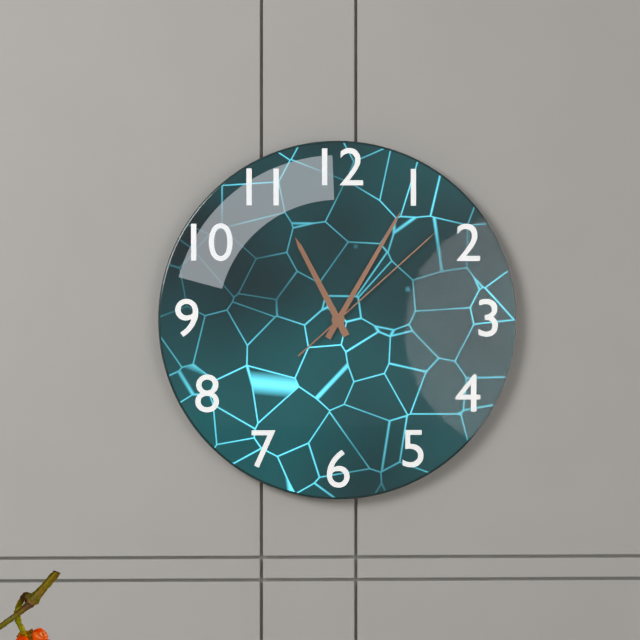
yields 11h05m08s
